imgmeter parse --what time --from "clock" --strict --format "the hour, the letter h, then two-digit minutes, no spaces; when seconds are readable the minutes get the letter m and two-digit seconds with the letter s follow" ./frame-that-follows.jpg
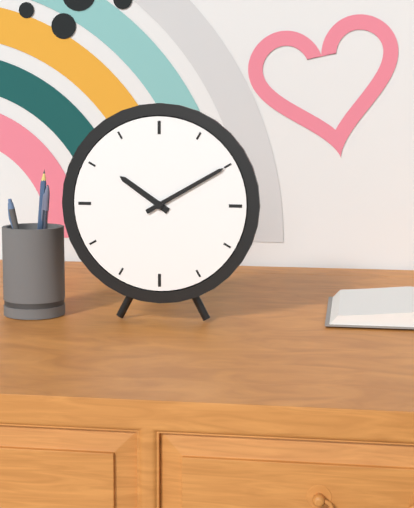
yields 10h10
